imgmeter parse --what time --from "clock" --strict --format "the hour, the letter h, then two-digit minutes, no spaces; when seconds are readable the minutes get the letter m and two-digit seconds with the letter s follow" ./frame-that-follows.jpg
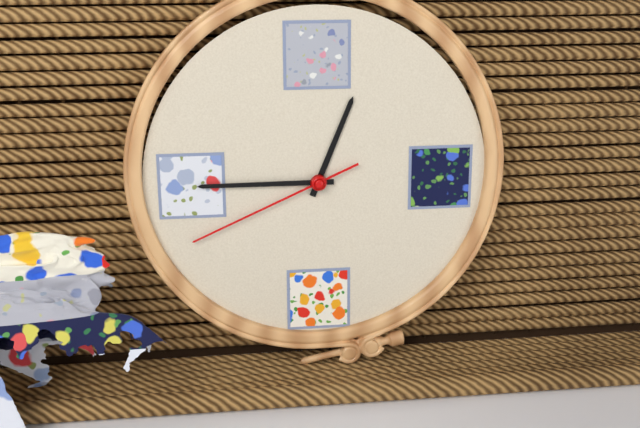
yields 12h45m41s
